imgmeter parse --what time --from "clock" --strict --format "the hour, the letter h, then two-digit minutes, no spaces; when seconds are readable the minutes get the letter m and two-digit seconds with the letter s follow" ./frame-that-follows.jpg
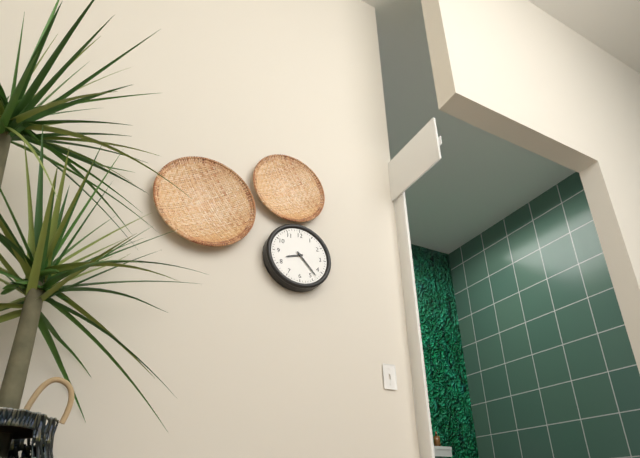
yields 8h23
